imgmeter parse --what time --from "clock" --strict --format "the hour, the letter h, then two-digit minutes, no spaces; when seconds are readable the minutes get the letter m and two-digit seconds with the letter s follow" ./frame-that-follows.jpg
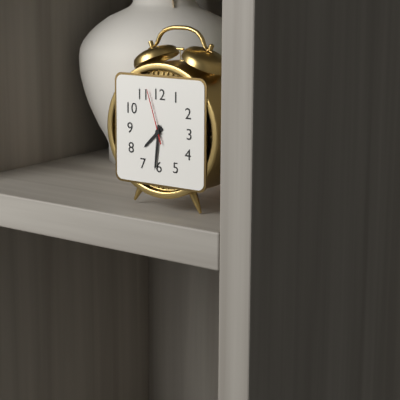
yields 7h31m57s
